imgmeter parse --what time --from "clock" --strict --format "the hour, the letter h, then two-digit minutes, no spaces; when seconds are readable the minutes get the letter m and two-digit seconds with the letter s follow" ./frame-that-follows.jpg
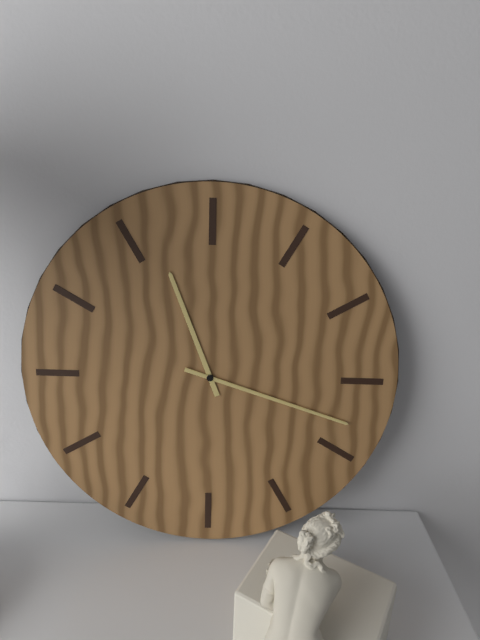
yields 11h18
